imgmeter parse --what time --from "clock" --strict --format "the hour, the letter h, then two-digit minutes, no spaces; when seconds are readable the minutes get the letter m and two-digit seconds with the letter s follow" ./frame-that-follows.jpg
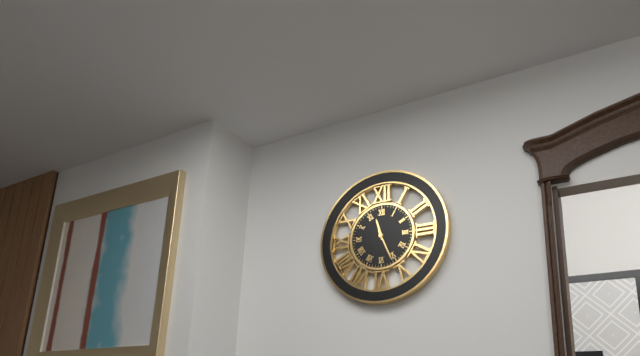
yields 11h26
